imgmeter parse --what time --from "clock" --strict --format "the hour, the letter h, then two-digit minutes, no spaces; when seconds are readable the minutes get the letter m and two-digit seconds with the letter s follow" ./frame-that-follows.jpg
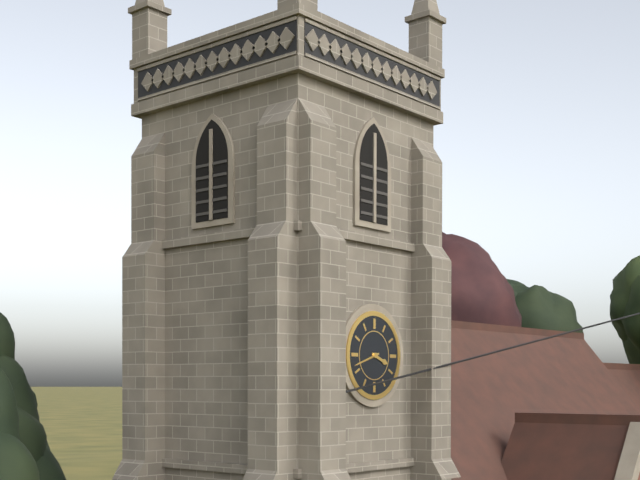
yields 3h42
